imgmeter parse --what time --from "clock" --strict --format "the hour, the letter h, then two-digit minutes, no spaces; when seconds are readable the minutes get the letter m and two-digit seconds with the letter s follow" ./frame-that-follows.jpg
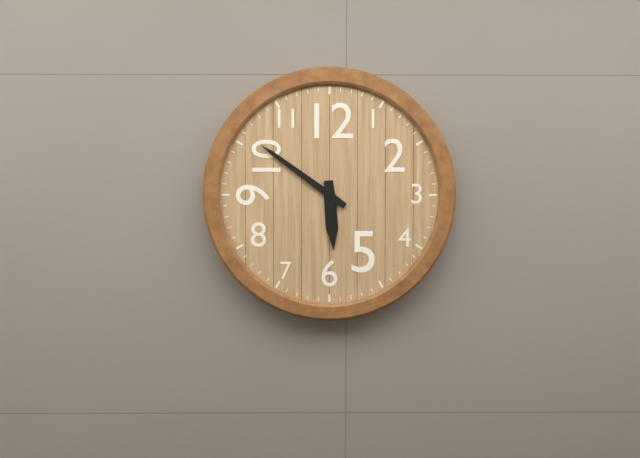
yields 5h51
